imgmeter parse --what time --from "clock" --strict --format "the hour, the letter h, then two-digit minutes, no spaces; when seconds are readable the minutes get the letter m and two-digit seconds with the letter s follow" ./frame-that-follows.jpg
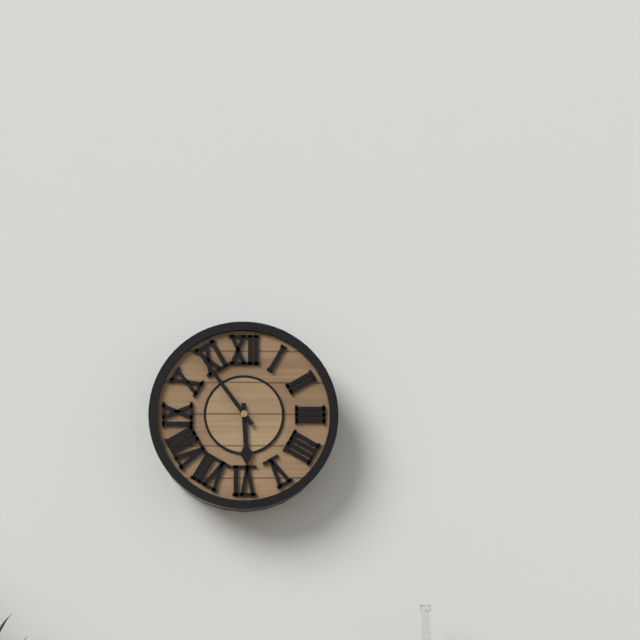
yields 5h54
